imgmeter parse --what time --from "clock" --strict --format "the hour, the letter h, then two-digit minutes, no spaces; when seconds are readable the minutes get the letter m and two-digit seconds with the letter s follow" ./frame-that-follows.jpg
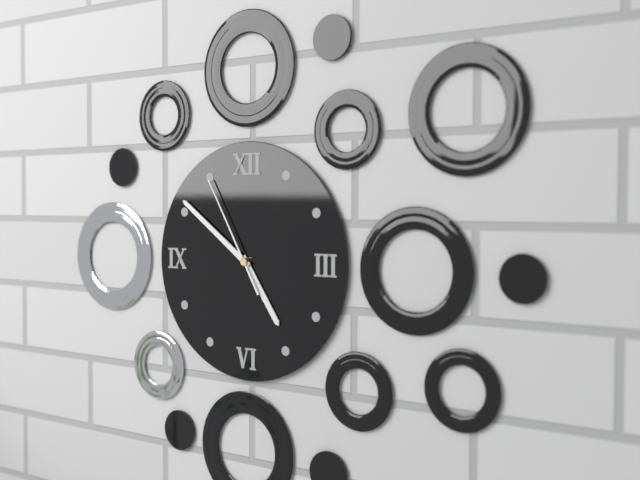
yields 4h51m55s
